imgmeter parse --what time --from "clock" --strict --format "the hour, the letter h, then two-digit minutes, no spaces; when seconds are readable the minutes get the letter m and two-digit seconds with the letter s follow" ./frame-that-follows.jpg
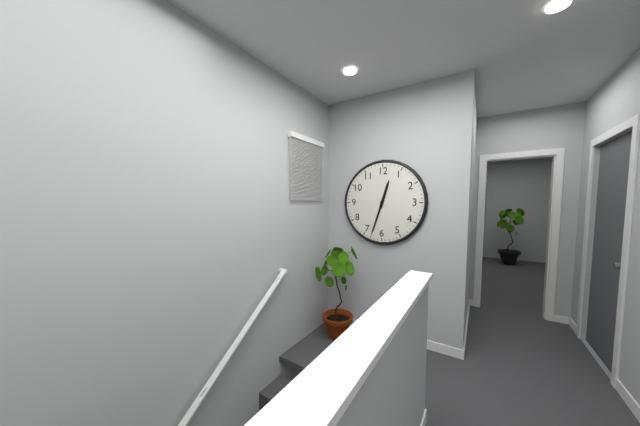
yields 12h33
